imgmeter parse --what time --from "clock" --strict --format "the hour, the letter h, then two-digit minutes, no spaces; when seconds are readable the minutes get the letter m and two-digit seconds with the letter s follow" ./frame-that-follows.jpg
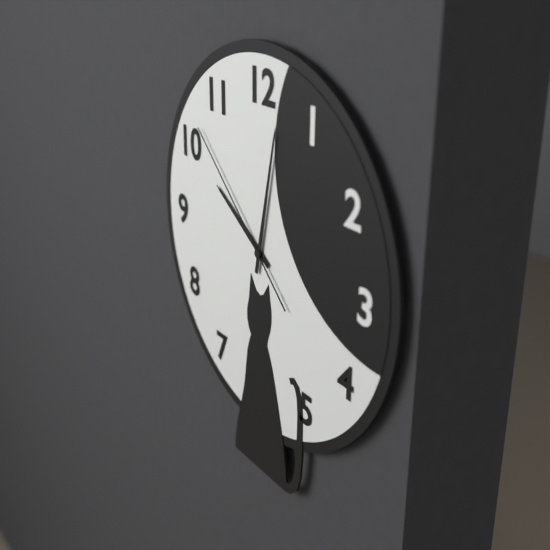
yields 10h02m52s
